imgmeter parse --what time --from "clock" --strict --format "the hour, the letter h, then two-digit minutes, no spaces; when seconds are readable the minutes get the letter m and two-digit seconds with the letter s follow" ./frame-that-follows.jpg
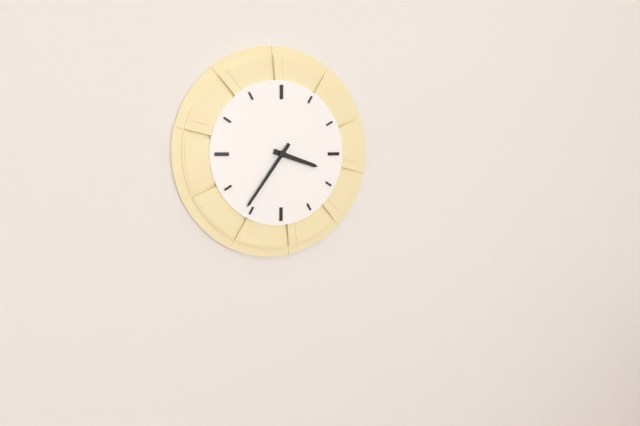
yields 3h36
